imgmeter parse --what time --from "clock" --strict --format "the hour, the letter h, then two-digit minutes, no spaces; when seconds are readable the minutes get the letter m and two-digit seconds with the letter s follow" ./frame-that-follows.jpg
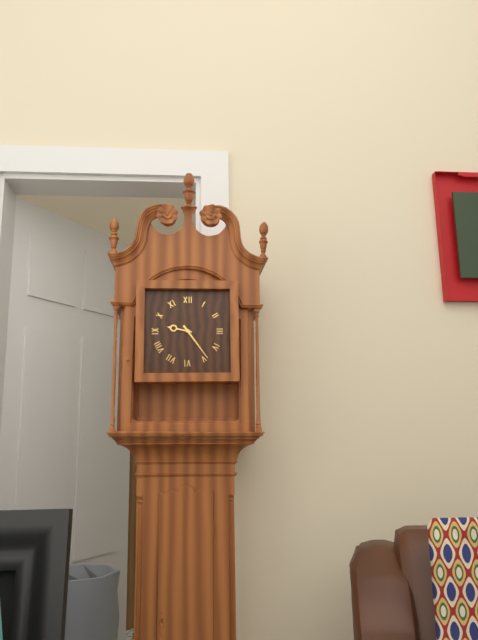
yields 9h24
